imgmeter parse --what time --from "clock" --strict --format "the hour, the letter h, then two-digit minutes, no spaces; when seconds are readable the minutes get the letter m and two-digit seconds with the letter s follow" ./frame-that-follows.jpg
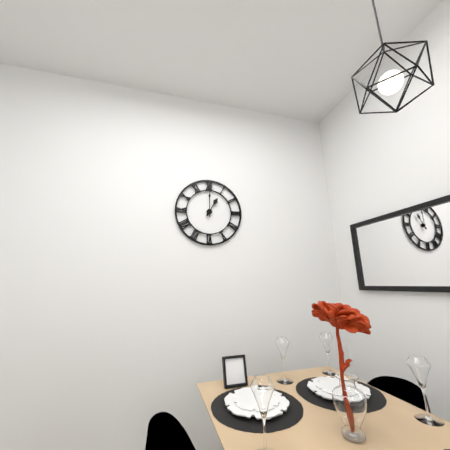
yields 1h00
